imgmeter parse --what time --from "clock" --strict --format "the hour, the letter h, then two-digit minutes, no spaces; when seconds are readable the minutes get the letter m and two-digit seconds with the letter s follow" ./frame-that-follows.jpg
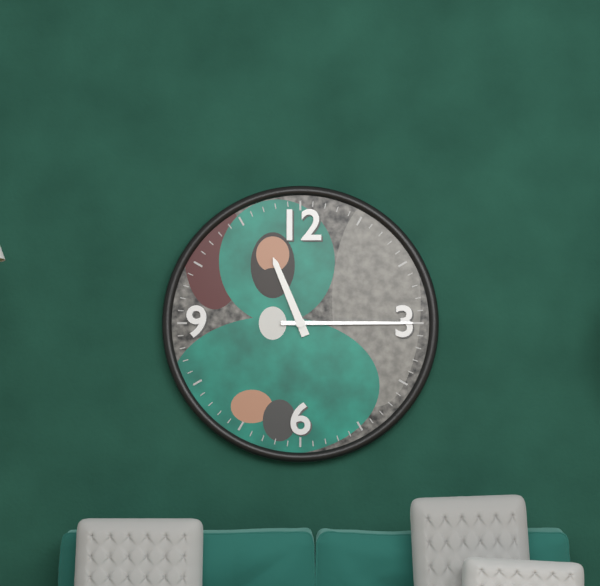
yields 11h15
